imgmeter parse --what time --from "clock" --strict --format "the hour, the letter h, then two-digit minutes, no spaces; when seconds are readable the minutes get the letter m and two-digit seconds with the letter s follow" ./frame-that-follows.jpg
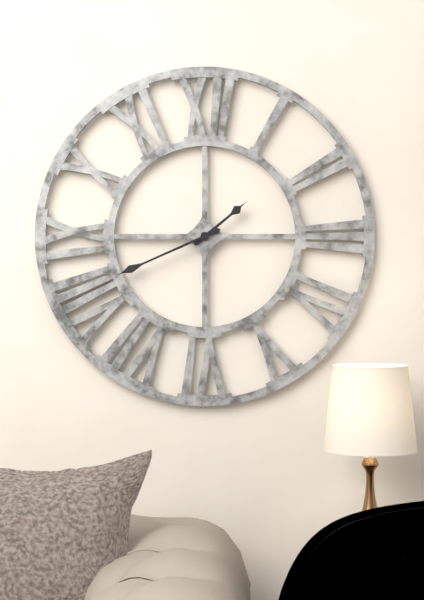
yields 1h41
